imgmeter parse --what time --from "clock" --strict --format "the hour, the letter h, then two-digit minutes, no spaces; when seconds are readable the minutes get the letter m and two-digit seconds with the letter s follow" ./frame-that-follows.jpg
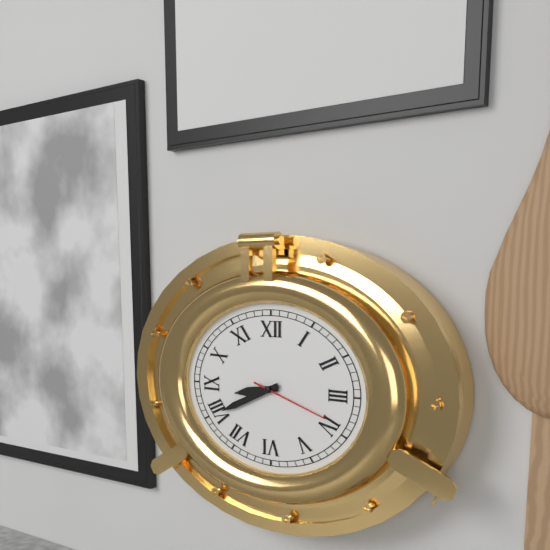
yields 8h41m18s
